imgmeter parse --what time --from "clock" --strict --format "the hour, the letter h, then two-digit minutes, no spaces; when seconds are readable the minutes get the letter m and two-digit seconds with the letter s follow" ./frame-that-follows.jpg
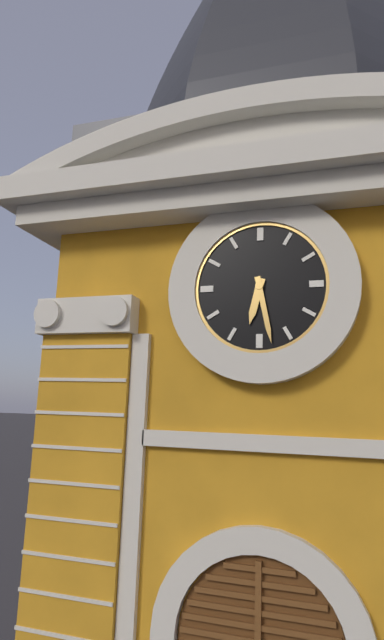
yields 6h28
